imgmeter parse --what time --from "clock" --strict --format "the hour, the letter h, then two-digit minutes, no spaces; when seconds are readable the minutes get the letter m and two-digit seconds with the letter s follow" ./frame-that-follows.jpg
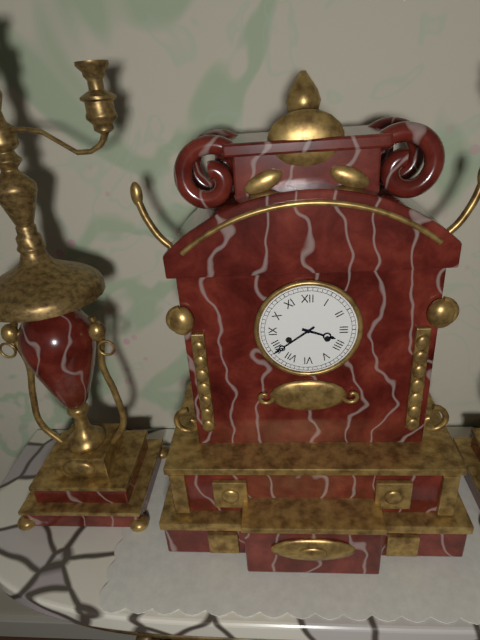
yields 3h39
